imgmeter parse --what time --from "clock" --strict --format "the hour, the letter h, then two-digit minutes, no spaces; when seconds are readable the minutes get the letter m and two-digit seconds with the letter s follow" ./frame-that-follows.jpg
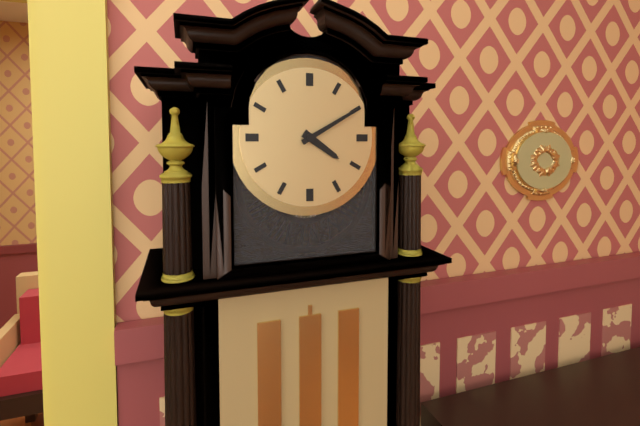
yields 4h10
